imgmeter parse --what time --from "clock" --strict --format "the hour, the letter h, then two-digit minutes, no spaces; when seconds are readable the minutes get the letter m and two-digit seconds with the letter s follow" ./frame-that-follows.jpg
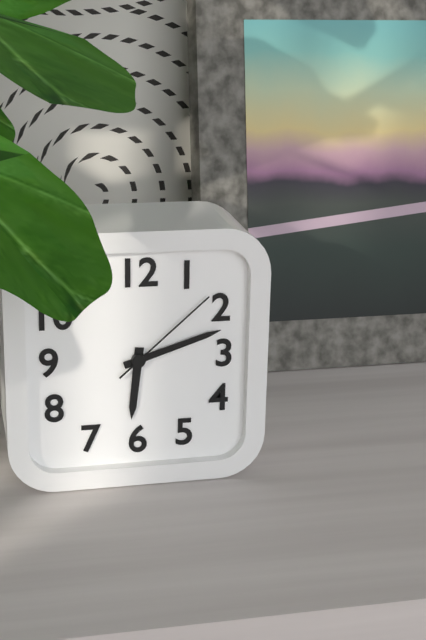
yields 6h12m08s
